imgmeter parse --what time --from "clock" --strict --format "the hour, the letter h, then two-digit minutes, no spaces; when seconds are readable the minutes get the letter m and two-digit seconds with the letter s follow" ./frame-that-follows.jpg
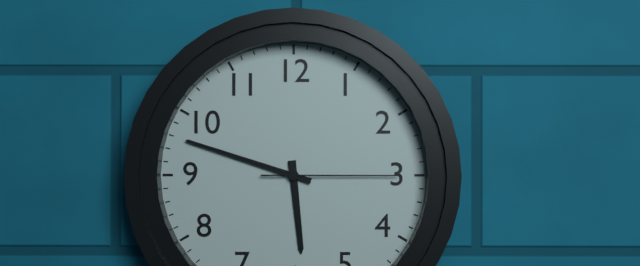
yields 5h48m15s
